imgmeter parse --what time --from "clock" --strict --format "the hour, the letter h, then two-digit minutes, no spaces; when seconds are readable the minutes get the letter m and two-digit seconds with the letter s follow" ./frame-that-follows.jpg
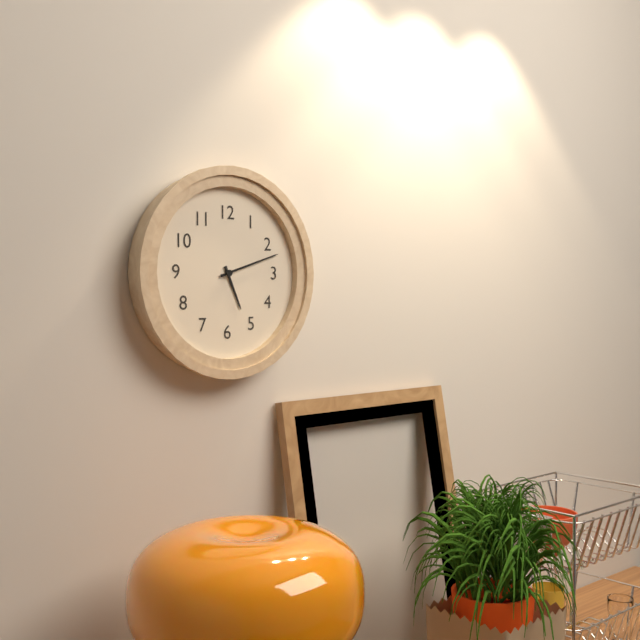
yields 5h12
